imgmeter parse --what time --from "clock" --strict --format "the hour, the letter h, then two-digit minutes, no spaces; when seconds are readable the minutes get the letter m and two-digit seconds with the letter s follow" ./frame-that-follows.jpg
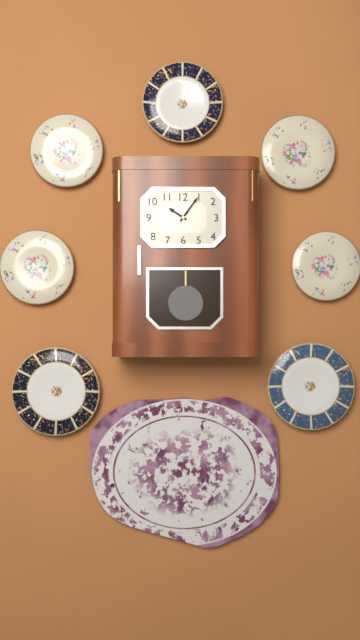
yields 10h06
